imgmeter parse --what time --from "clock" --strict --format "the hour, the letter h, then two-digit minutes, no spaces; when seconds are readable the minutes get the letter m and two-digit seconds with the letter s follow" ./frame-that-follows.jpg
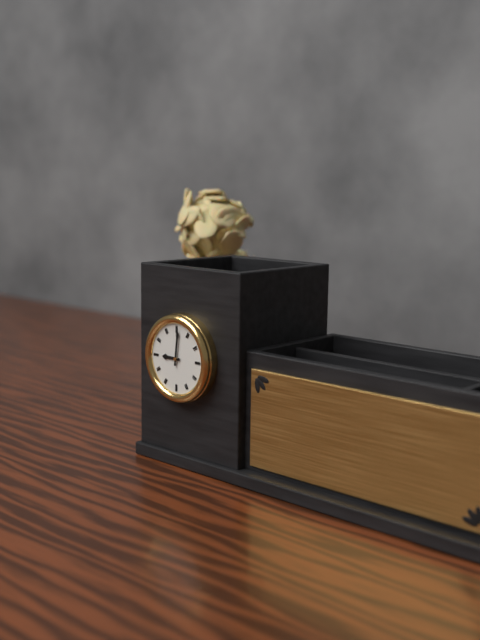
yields 9h01
